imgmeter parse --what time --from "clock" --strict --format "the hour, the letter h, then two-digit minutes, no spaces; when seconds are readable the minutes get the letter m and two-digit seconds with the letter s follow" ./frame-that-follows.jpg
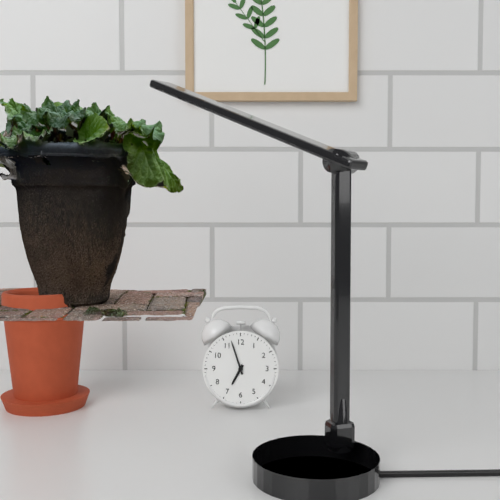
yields 6h57
